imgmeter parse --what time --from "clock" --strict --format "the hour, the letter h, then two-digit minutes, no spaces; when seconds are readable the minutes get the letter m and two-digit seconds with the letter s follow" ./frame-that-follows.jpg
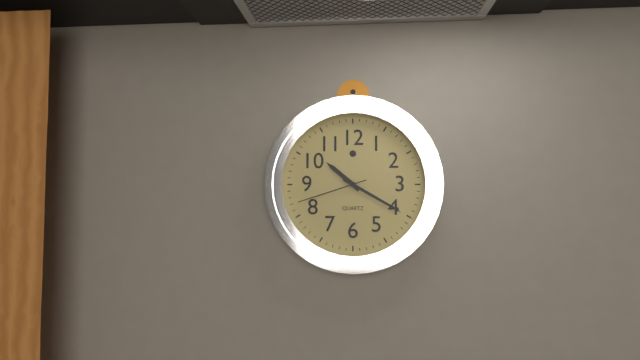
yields 10h20m42s
